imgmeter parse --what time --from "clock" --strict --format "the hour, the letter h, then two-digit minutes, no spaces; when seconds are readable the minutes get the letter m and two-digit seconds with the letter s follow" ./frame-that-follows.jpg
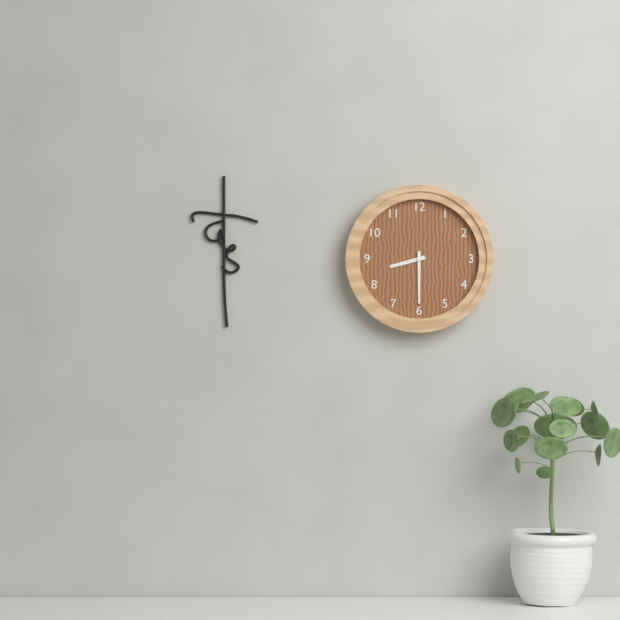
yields 8h30
